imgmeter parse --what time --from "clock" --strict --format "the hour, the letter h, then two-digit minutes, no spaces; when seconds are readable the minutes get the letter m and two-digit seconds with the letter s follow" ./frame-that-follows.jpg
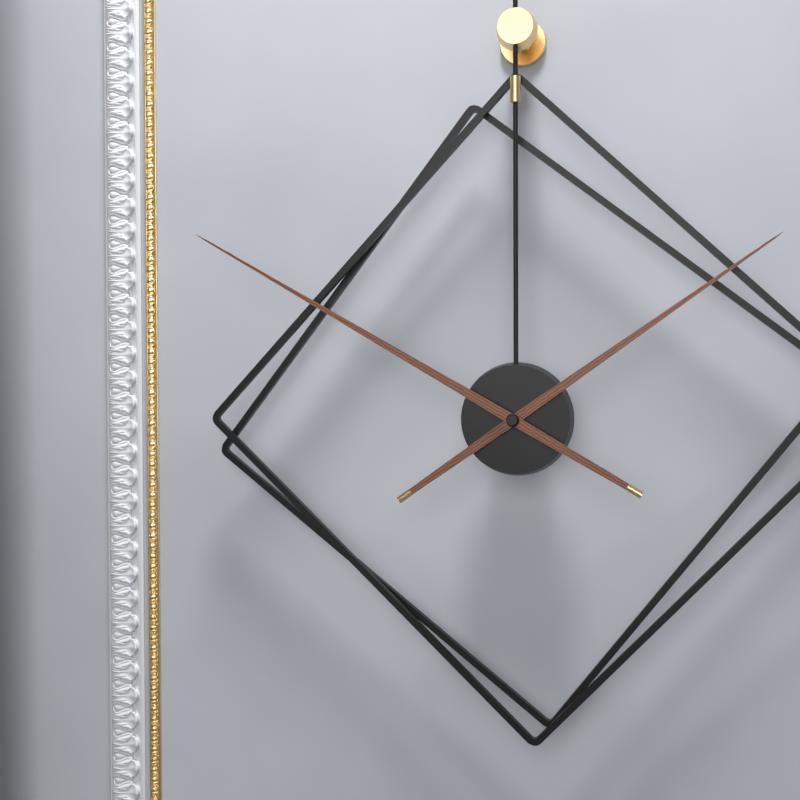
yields 1h50
